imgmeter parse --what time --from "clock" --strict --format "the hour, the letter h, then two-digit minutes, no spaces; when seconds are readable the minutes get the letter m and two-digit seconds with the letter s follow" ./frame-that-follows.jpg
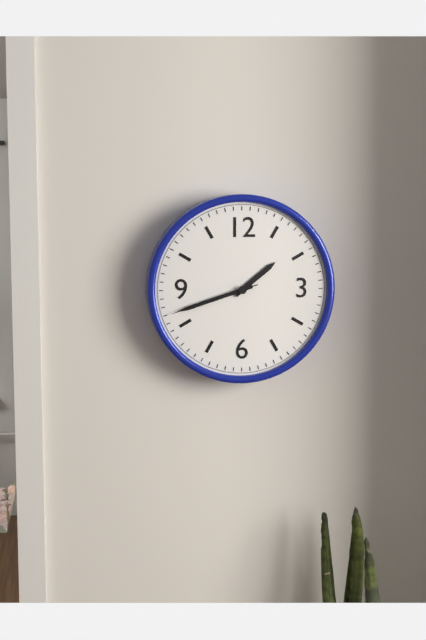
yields 1h42m42s
